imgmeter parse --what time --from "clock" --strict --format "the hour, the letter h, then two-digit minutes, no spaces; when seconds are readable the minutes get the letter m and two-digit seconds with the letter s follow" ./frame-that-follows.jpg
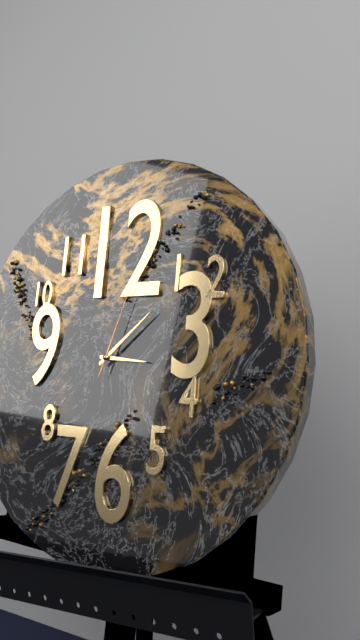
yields 3h08m03s
